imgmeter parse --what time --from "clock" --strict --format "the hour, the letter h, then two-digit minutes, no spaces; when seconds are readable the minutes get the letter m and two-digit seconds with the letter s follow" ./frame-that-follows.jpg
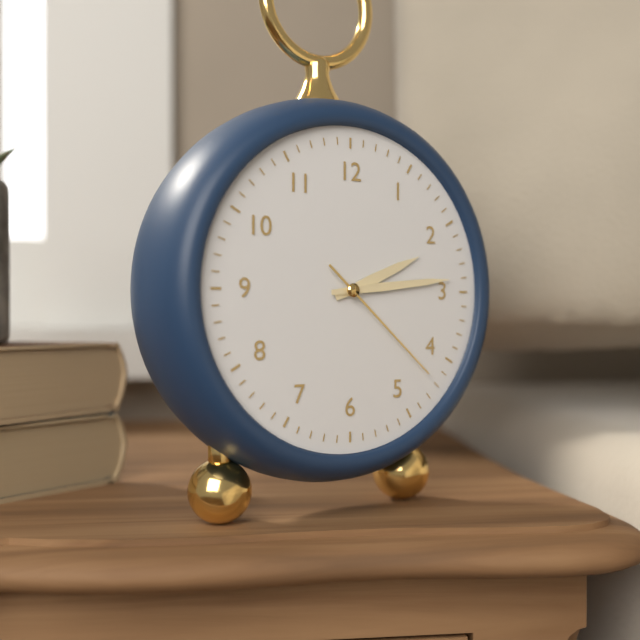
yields 2h14m22s
